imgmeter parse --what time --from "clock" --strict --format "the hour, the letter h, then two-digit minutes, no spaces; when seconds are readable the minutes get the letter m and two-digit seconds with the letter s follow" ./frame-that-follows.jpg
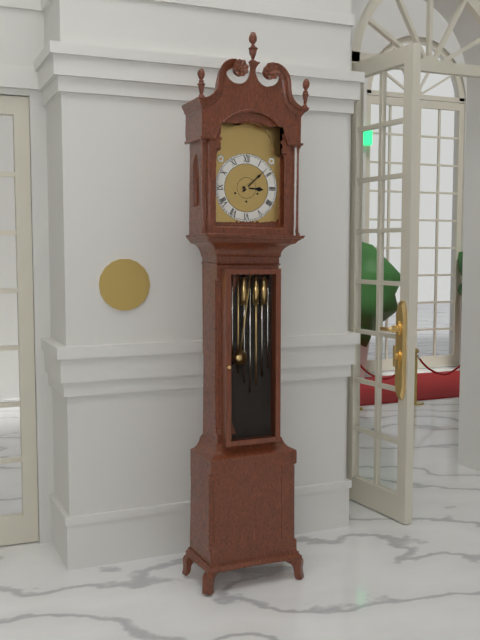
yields 3h08
